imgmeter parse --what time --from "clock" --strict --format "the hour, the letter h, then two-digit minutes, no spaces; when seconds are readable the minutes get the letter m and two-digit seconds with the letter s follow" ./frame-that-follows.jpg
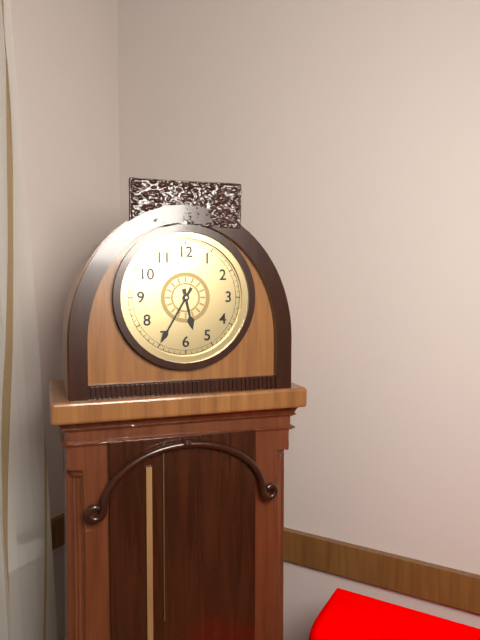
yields 5h35
